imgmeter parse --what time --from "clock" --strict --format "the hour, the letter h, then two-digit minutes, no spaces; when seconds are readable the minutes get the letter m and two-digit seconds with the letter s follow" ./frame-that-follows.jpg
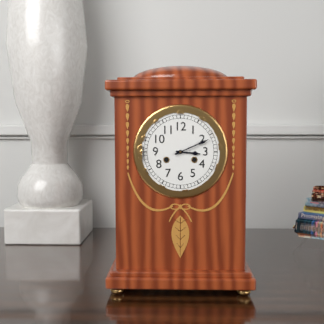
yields 3h11
